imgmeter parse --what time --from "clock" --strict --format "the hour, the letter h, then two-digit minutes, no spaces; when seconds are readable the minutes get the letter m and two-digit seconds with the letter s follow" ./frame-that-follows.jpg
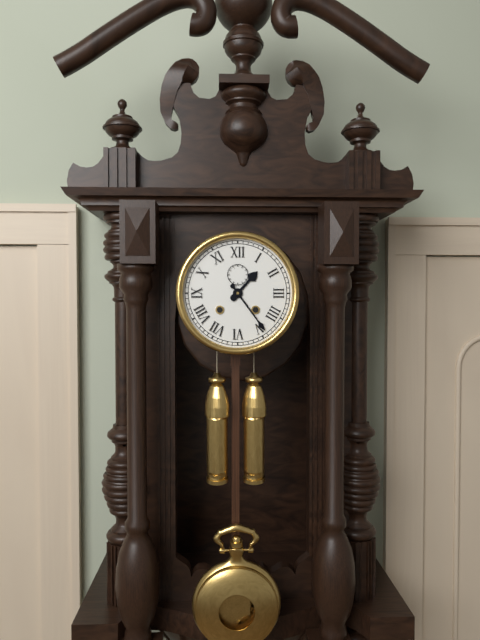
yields 1h24
